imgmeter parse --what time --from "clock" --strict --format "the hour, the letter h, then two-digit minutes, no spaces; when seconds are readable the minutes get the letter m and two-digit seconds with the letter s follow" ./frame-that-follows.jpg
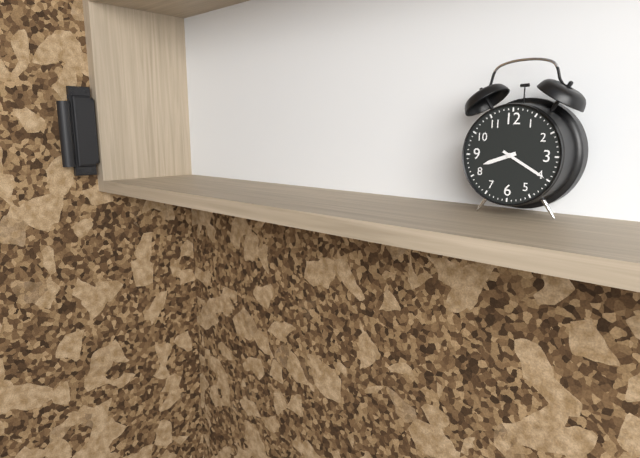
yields 8h20
